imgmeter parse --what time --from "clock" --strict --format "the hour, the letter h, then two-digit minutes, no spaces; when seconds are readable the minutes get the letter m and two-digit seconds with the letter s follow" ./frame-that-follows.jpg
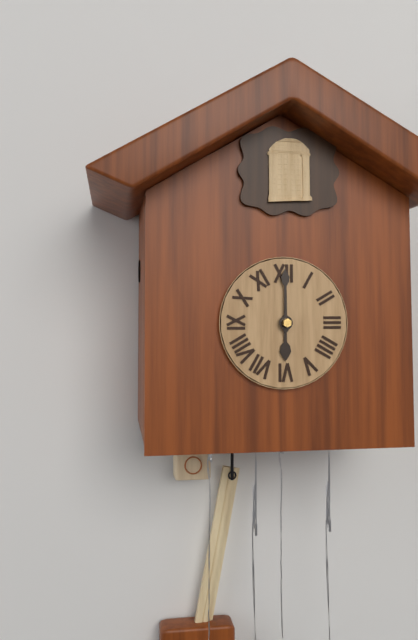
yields 6h00
